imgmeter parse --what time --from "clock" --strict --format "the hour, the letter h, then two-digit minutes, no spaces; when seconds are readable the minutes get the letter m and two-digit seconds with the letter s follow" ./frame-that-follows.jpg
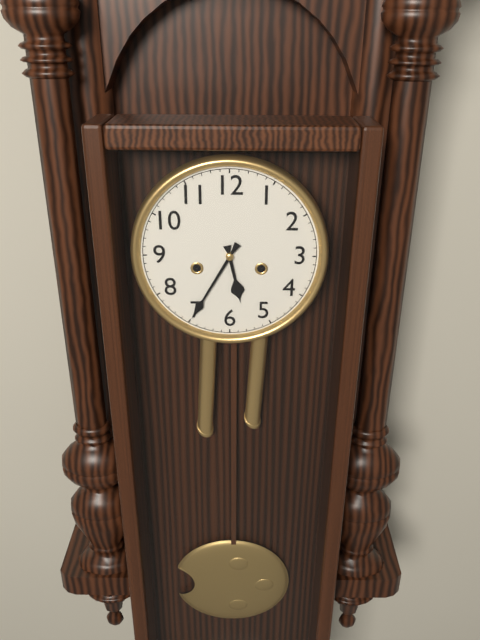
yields 5h35
